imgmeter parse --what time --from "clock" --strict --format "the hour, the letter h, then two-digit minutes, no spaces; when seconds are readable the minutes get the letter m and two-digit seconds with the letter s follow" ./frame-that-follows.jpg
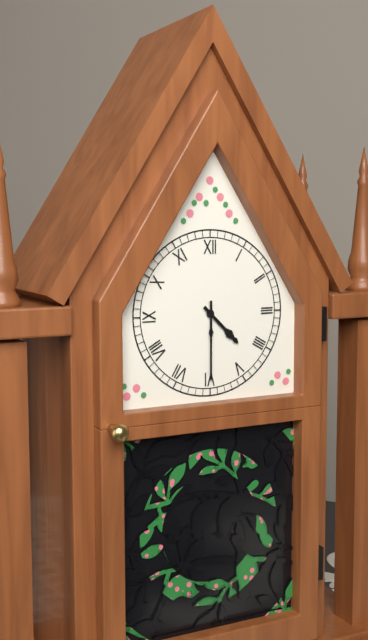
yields 4h30
